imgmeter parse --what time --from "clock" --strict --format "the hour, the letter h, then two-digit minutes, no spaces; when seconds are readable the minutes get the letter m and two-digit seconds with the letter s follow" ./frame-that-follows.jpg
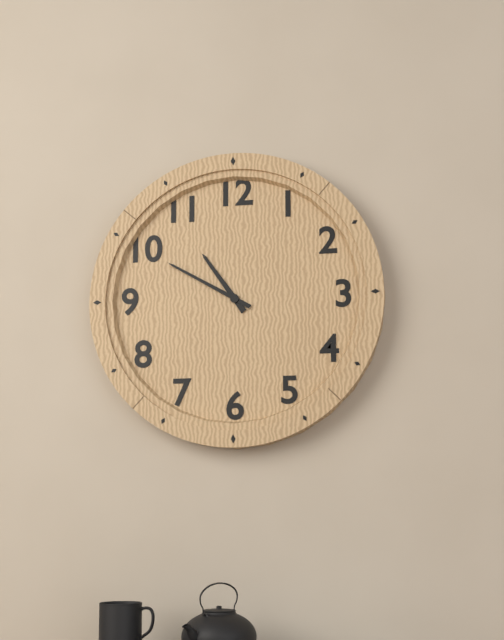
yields 10h50
